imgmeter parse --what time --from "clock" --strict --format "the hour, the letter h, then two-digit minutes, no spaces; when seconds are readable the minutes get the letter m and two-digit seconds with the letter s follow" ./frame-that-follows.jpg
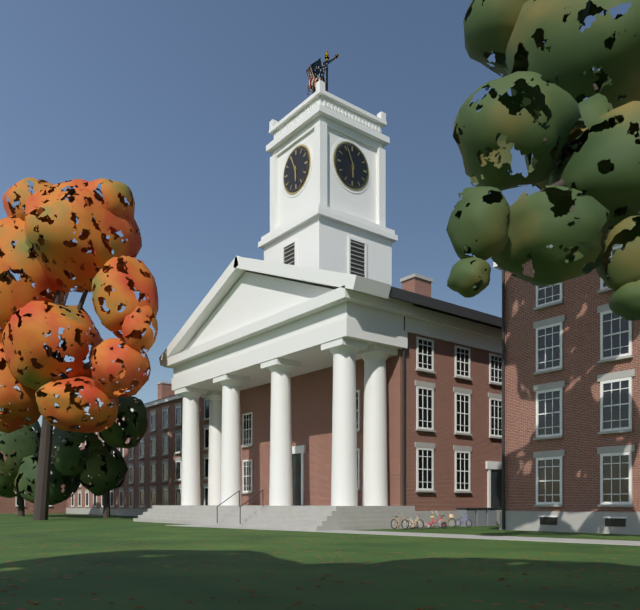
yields 5h56
